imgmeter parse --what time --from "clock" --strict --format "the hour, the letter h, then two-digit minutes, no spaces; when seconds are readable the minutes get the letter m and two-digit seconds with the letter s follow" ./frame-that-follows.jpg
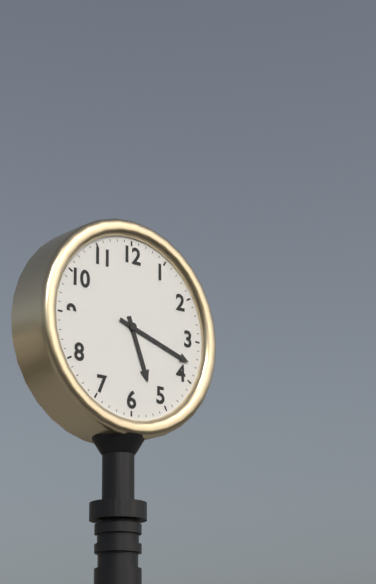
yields 5h18
